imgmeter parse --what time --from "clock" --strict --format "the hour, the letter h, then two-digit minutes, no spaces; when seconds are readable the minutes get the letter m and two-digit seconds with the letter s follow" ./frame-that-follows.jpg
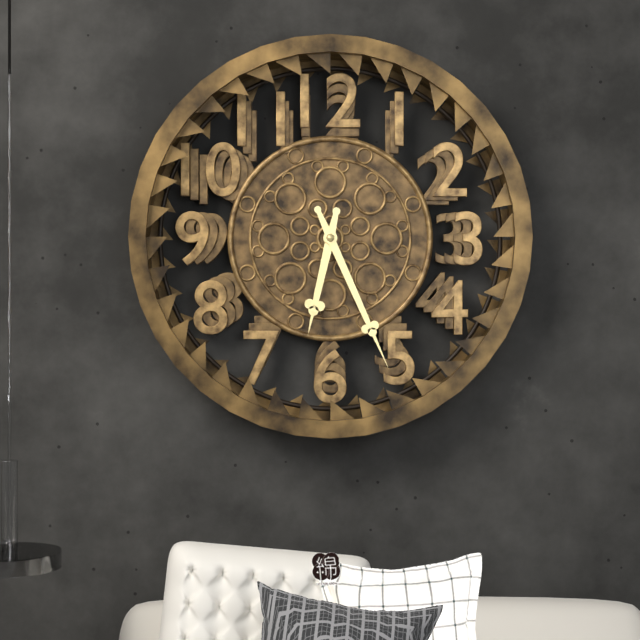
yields 6h26
